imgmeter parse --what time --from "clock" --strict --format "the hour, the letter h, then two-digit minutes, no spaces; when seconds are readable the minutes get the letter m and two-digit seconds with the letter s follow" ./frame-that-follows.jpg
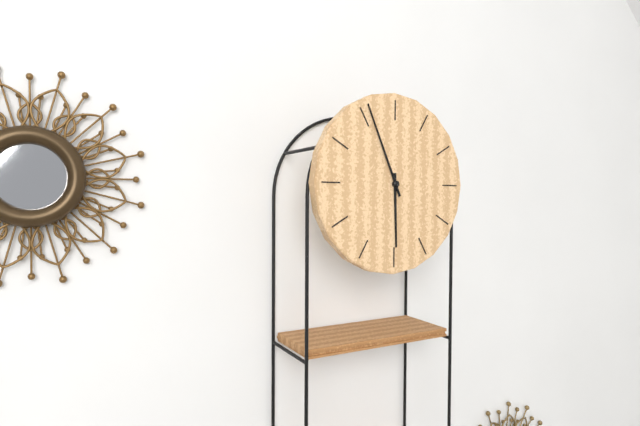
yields 5h56
